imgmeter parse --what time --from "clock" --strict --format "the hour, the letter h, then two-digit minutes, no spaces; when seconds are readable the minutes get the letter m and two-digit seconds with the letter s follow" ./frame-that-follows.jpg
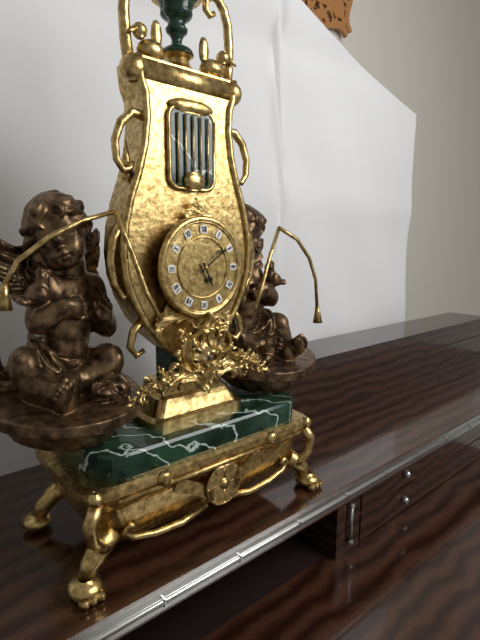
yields 5h09
